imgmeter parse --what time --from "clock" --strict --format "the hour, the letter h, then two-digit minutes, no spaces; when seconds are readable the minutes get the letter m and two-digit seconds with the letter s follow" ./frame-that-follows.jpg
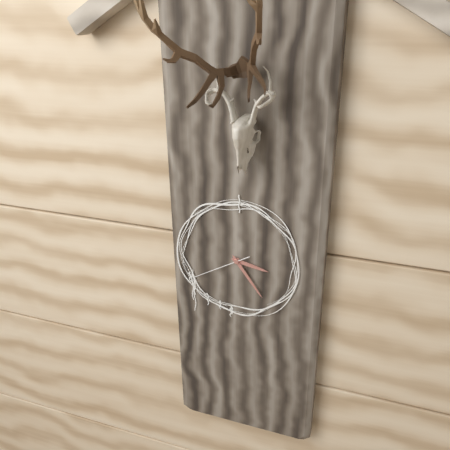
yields 3h24m40s
